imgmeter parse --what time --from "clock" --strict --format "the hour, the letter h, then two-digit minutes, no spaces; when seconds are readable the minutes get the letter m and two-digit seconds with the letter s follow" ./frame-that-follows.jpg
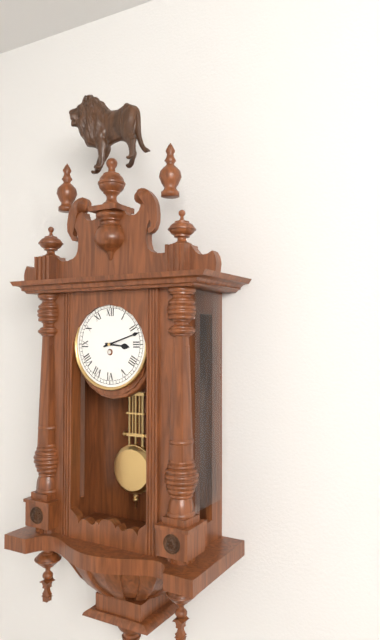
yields 3h12
